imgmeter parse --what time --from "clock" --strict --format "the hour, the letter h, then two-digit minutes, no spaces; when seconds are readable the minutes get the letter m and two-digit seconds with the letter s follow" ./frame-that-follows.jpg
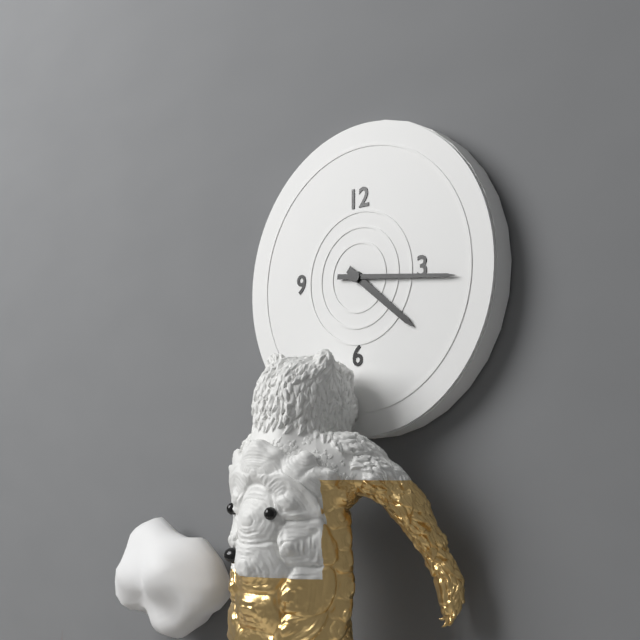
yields 4h16
